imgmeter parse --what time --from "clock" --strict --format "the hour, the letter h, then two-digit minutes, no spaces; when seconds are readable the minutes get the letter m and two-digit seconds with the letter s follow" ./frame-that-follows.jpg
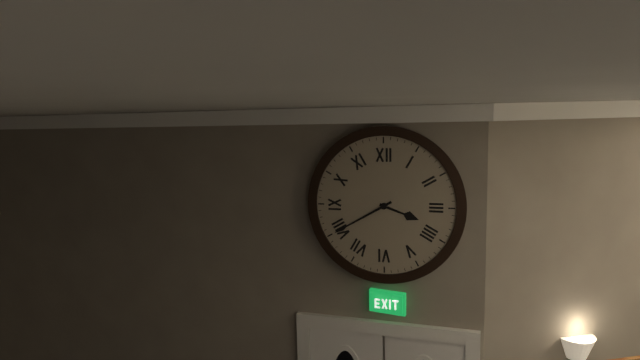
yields 3h40
